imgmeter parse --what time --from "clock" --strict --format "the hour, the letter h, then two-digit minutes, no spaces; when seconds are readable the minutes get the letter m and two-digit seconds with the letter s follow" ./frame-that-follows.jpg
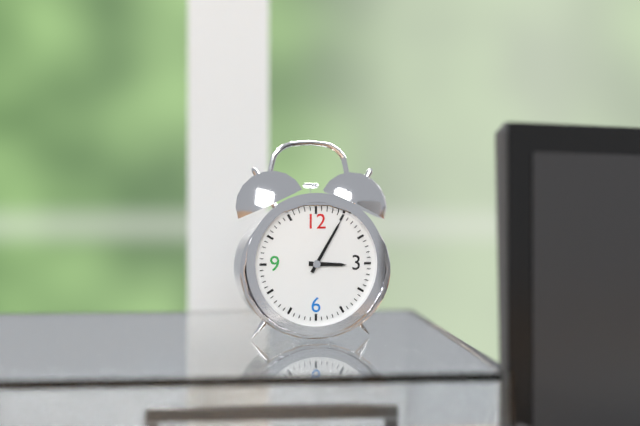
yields 3h05
